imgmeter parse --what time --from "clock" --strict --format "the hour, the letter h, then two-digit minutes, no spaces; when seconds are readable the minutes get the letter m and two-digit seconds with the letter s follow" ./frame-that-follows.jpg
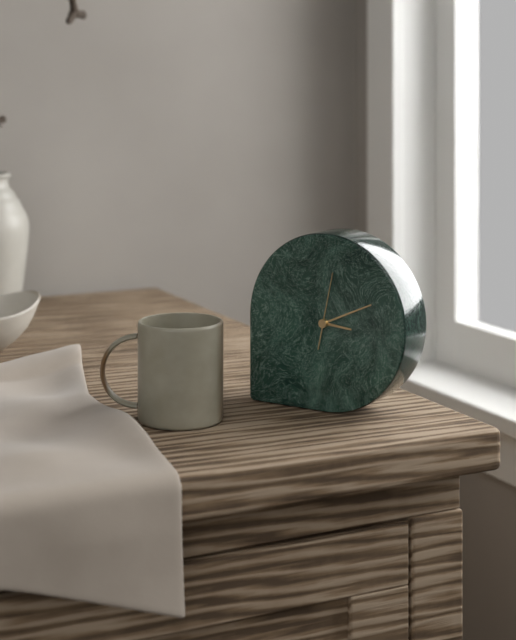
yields 3h11m02s
